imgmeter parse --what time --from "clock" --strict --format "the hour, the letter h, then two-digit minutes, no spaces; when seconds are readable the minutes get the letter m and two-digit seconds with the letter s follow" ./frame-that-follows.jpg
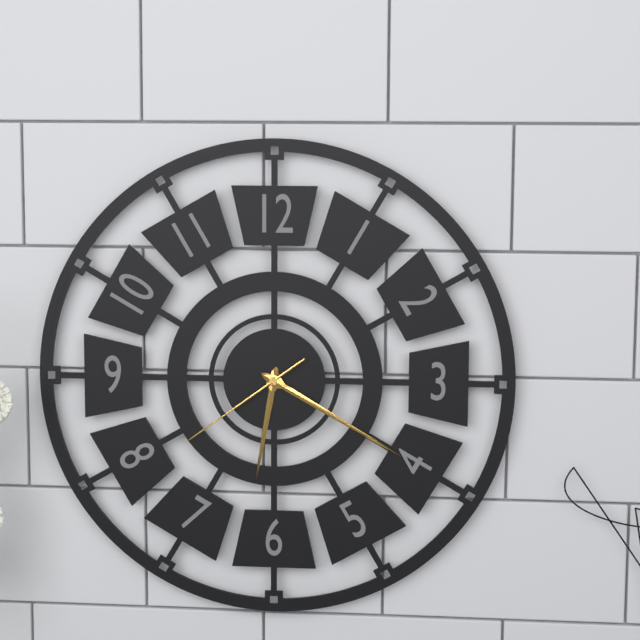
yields 6h20m39s
